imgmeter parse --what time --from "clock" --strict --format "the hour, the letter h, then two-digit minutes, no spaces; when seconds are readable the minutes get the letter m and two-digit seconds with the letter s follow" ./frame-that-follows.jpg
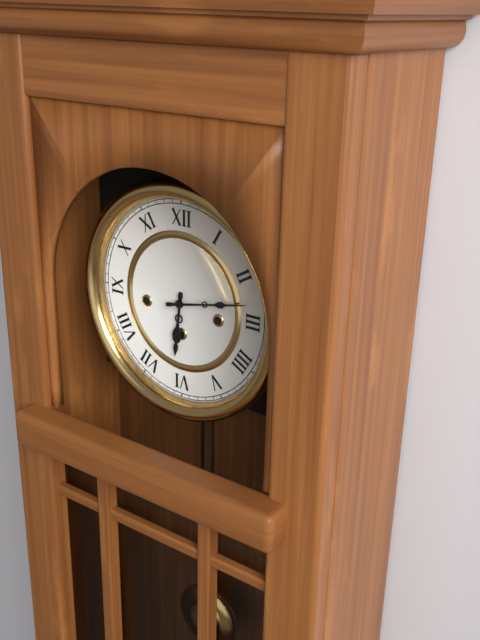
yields 6h13
